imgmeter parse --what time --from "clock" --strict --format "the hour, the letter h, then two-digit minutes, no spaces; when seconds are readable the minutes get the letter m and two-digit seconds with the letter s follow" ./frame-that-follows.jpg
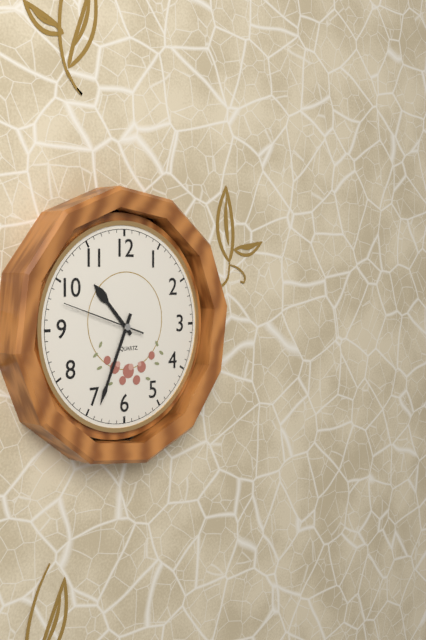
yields 10h34m48s
